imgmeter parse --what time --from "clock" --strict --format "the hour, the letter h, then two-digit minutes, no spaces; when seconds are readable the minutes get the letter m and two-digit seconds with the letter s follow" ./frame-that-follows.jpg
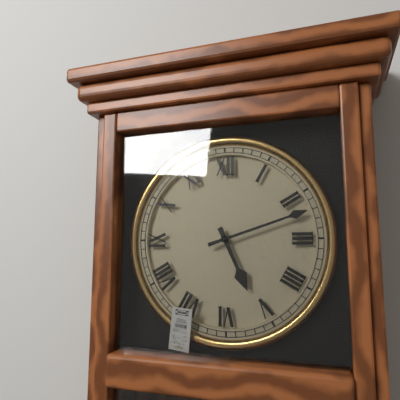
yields 5h12
